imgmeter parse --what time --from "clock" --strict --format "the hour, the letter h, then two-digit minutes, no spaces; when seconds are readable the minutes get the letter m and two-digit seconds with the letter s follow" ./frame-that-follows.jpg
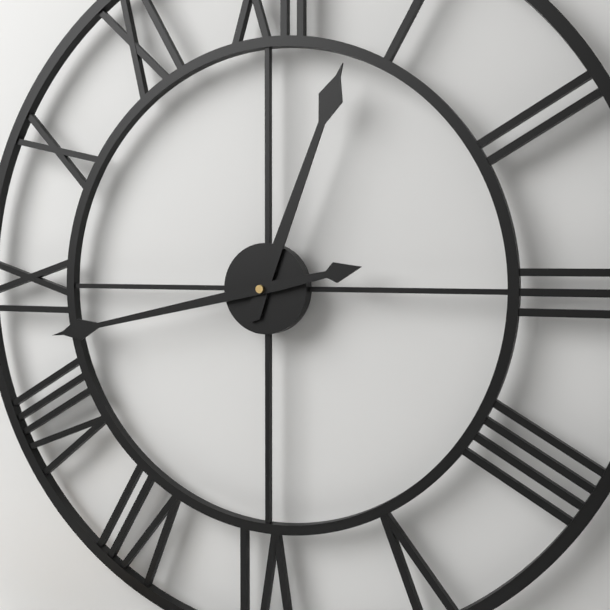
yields 12h43
